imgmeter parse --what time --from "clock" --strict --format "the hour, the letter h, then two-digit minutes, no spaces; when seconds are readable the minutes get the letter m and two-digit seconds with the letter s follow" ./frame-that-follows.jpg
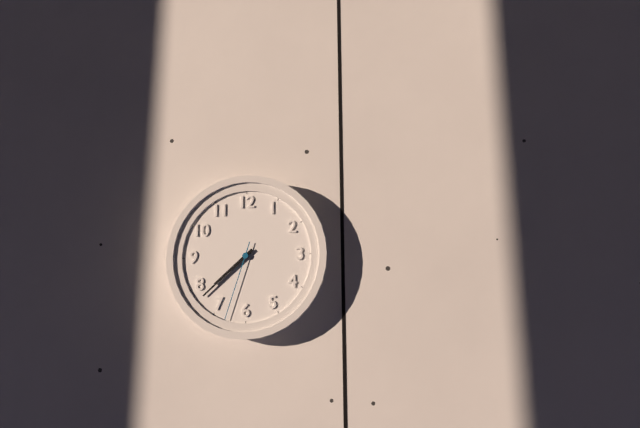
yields 7h38m33s
